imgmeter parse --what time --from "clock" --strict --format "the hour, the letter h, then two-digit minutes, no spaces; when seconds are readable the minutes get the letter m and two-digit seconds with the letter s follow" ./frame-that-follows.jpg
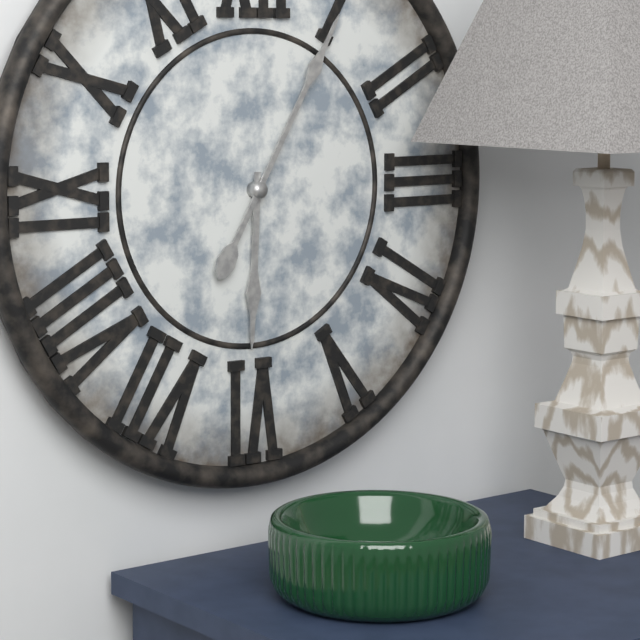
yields 6h05
